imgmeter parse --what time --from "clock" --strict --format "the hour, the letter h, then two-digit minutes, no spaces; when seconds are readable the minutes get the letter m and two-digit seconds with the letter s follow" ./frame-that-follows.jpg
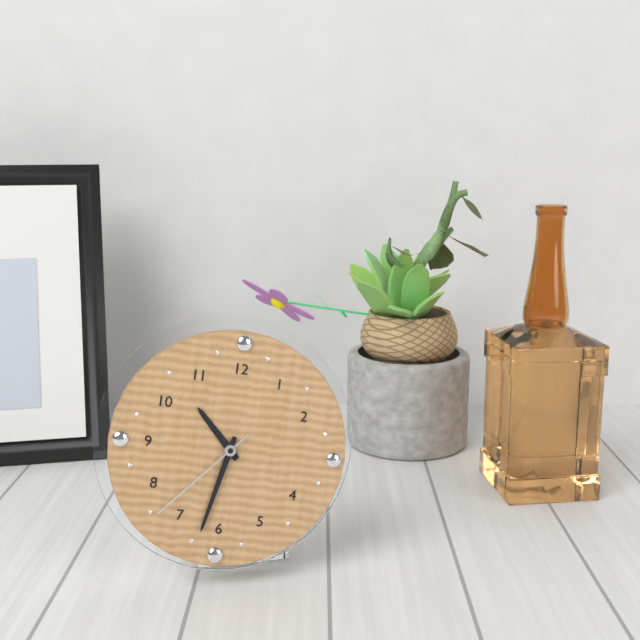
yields 10h32m37s
